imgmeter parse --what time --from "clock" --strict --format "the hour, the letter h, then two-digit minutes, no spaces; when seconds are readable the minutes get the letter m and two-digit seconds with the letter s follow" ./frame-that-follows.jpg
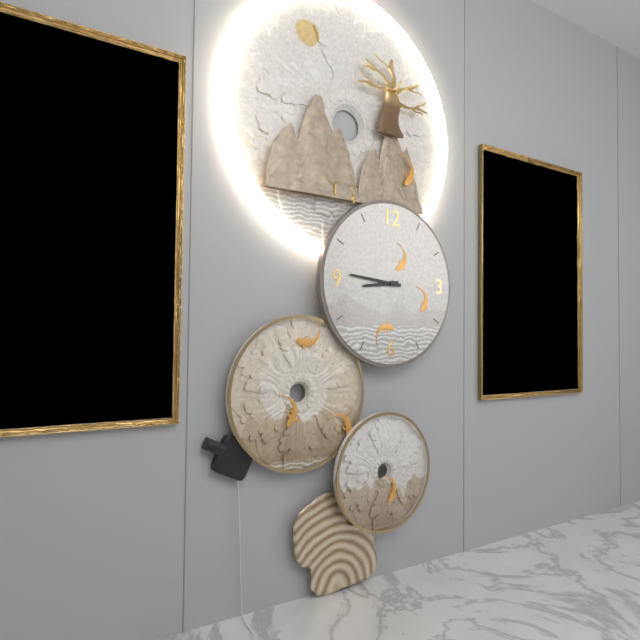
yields 8h46
